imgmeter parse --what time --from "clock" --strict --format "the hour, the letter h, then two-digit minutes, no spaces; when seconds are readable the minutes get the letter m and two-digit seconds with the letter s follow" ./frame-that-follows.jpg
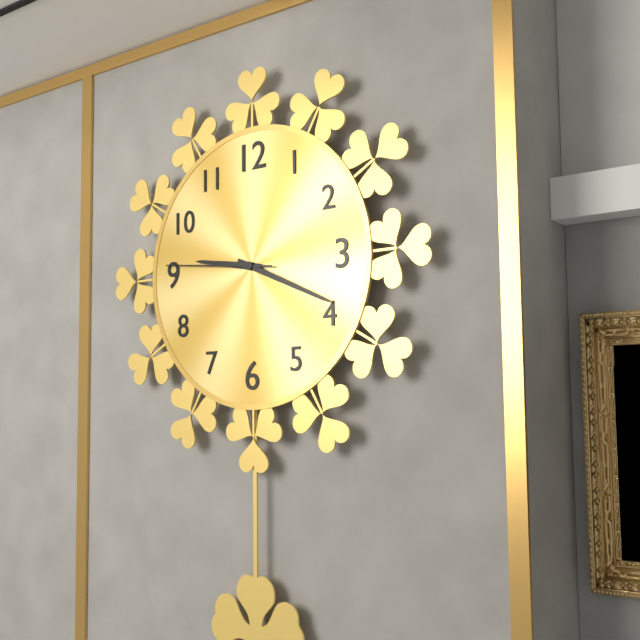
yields 9h19m46s
